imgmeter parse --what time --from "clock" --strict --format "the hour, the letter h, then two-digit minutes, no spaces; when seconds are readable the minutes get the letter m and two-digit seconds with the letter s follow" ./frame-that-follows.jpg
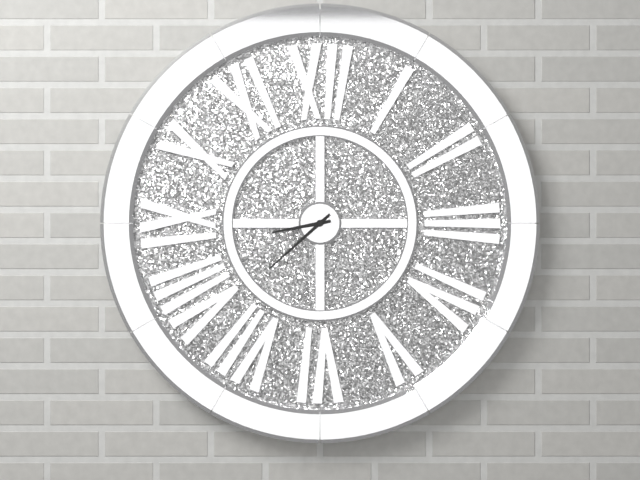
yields 8h38
